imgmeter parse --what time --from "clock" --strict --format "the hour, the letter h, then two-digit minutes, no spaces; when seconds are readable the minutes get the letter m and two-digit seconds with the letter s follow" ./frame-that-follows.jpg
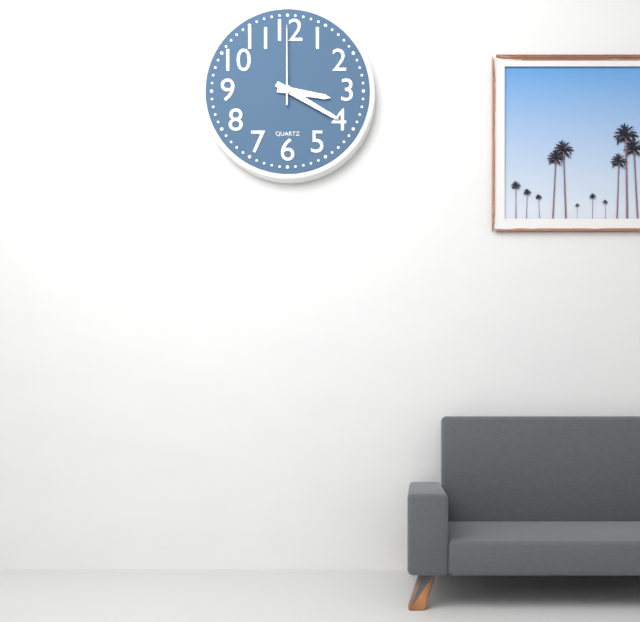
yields 3h20m00s
